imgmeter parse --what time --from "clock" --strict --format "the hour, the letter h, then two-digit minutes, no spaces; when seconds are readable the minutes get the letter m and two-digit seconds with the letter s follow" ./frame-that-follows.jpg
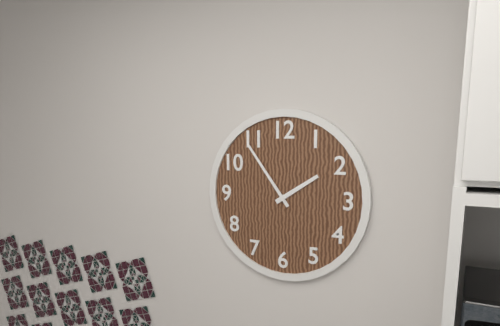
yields 1h54
